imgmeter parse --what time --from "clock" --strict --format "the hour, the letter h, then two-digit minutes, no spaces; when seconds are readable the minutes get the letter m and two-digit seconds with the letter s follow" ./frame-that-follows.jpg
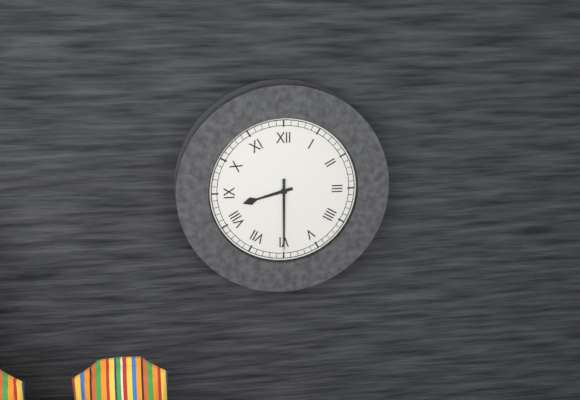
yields 8h30
